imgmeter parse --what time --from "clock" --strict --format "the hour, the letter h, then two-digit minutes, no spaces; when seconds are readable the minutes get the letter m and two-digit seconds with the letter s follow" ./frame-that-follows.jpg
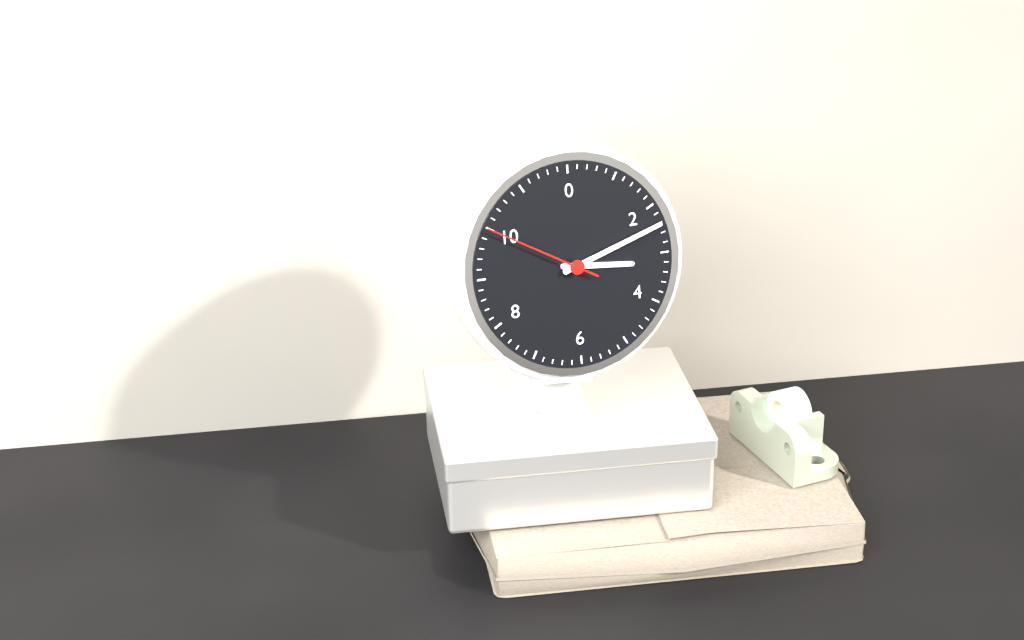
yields 3h12m50s
